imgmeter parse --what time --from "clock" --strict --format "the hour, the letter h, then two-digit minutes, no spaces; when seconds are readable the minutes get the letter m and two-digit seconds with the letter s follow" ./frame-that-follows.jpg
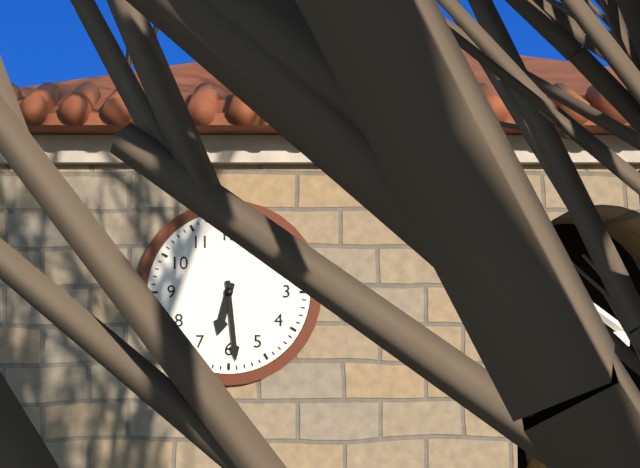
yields 6h29
